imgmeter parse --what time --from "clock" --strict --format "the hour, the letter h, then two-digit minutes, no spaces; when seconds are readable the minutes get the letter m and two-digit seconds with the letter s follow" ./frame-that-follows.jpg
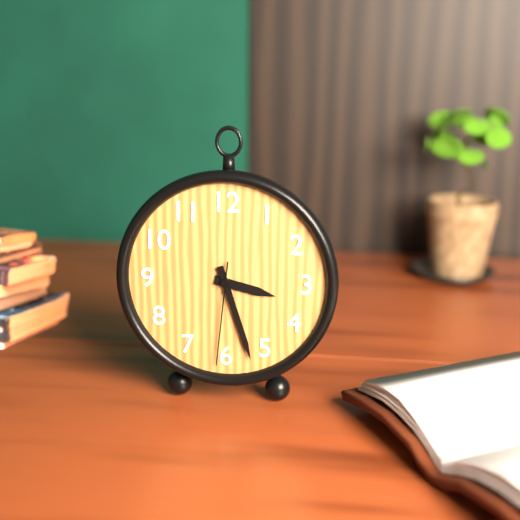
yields 3h27m31s
